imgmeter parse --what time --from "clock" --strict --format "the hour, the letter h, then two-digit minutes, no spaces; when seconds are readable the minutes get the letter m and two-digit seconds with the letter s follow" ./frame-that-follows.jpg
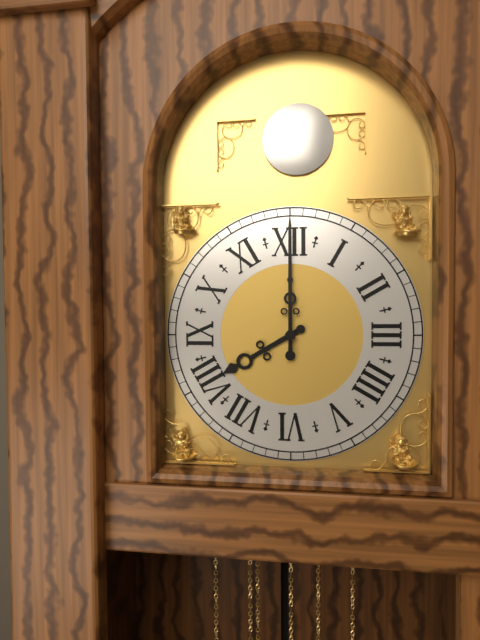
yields 8h00
